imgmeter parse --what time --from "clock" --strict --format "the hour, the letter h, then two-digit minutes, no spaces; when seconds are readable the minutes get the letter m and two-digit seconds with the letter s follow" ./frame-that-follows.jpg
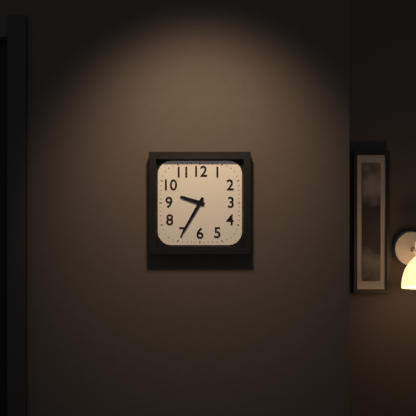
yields 9h35
